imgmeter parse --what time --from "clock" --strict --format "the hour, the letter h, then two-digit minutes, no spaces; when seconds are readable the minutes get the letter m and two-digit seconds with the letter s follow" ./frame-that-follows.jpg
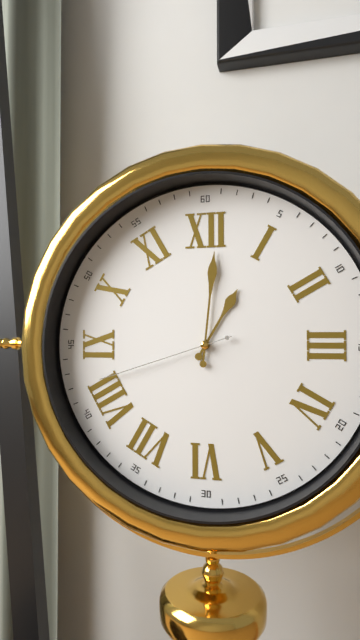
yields 1h01m42s
